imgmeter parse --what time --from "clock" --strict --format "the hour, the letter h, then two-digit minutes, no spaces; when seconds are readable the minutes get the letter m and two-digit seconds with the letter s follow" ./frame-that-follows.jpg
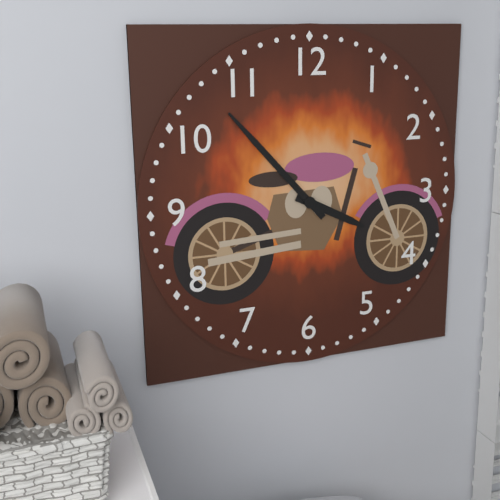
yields 3h53
